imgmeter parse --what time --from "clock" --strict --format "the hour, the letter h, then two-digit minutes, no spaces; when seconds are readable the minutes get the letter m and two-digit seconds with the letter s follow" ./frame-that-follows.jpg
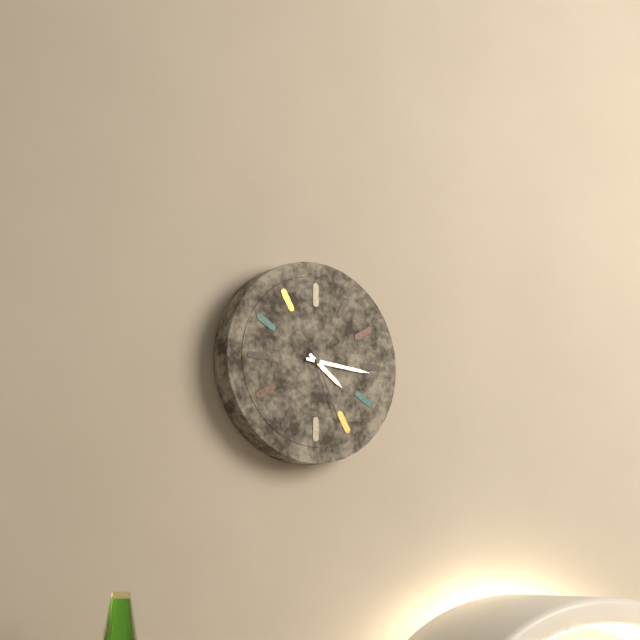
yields 4h16m26s
